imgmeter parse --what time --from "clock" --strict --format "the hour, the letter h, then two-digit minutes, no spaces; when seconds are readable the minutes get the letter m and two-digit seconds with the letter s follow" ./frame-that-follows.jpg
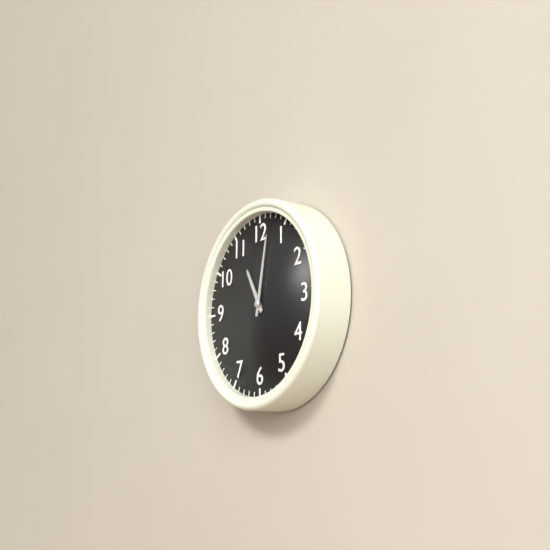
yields 11h02
